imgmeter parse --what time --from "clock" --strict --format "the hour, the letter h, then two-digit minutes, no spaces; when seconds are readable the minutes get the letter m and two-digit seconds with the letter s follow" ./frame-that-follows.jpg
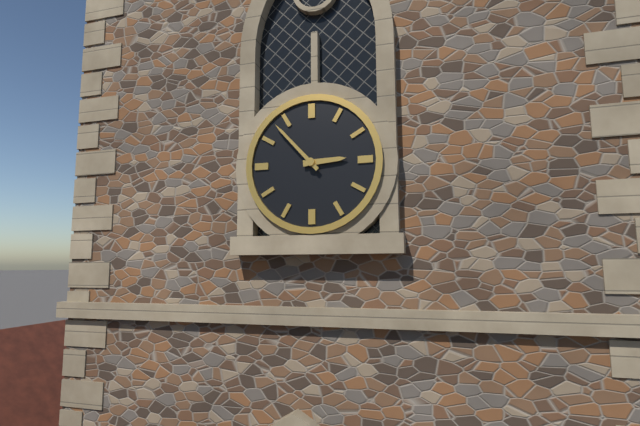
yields 2h53
